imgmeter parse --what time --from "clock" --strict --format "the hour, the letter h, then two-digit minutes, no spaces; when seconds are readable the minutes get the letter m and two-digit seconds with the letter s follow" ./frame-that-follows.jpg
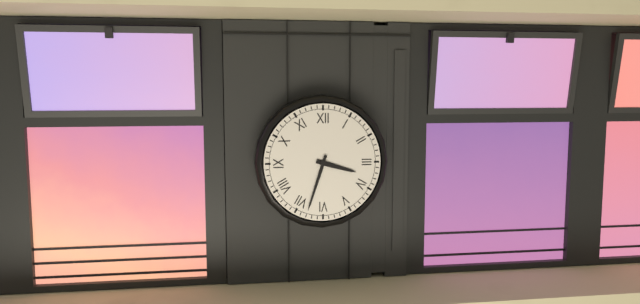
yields 3h33
